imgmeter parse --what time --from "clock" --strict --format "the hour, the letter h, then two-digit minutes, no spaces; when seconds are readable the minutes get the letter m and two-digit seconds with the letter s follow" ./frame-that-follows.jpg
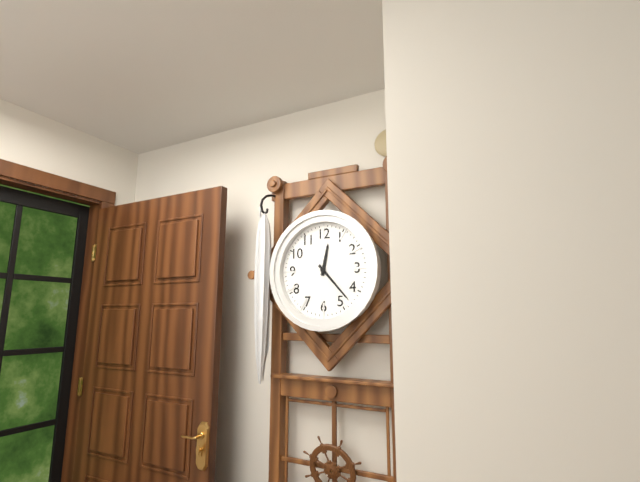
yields 12h23
